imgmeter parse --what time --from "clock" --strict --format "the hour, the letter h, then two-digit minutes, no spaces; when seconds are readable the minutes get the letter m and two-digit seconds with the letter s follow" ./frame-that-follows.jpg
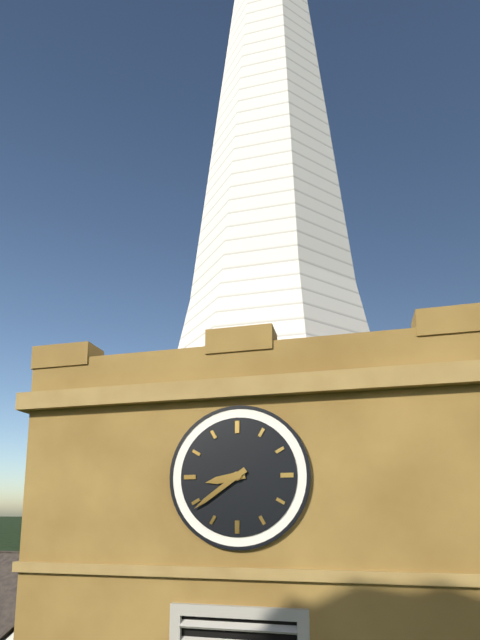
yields 8h39
